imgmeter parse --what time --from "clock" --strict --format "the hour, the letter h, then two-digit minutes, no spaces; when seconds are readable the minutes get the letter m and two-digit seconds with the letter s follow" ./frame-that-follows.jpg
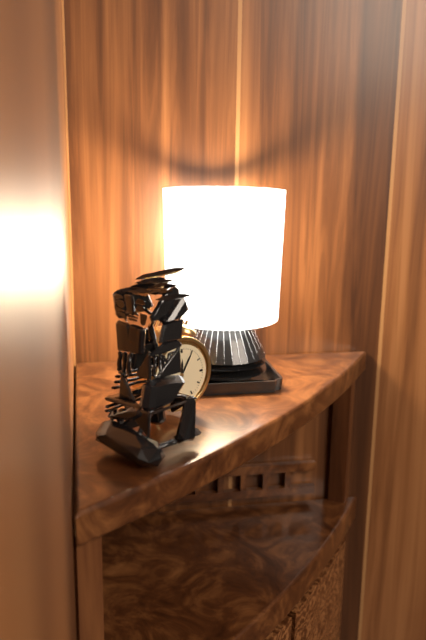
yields 12h05
